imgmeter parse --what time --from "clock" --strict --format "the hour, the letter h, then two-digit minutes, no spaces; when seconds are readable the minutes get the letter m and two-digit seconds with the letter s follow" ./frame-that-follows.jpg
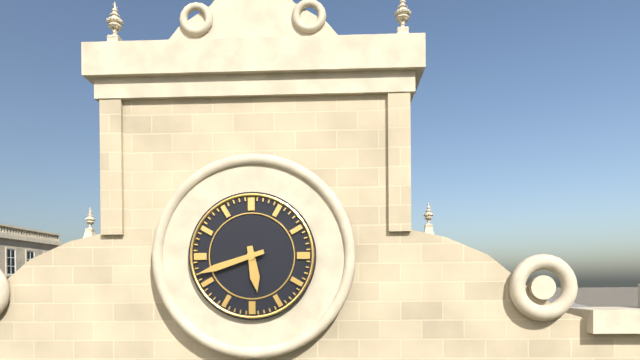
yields 5h42
